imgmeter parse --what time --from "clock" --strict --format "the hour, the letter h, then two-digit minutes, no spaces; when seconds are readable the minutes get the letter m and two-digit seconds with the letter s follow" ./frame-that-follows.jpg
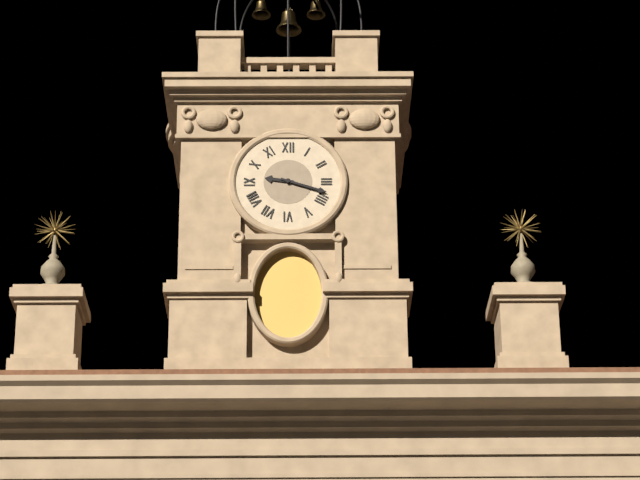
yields 9h18
